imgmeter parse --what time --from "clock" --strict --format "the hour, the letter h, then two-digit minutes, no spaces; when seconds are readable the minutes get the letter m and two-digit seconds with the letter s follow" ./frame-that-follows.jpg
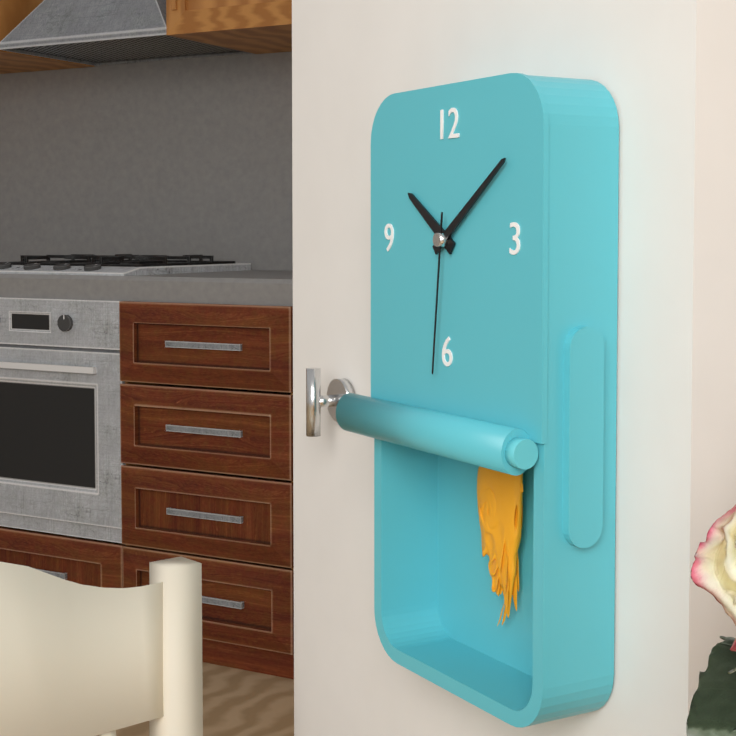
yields 10h09m31s
